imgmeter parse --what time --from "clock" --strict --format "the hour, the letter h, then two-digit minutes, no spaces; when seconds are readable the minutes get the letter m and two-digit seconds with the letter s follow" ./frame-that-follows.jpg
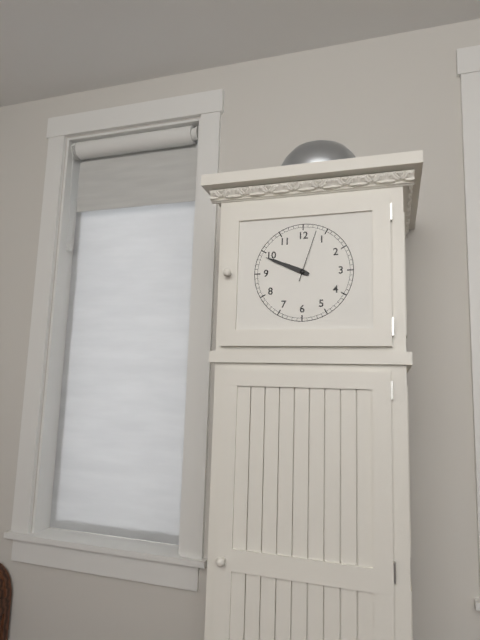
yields 9h49m03s
